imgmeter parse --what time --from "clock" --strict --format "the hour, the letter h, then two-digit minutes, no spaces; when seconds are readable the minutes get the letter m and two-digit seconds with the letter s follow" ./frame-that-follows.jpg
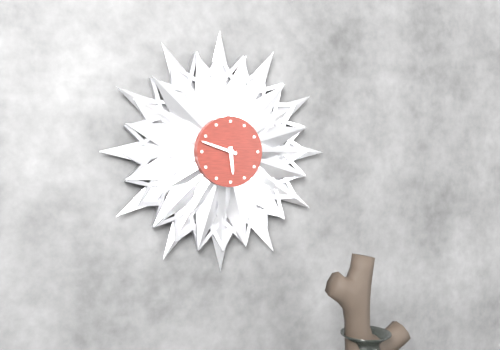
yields 5h48
